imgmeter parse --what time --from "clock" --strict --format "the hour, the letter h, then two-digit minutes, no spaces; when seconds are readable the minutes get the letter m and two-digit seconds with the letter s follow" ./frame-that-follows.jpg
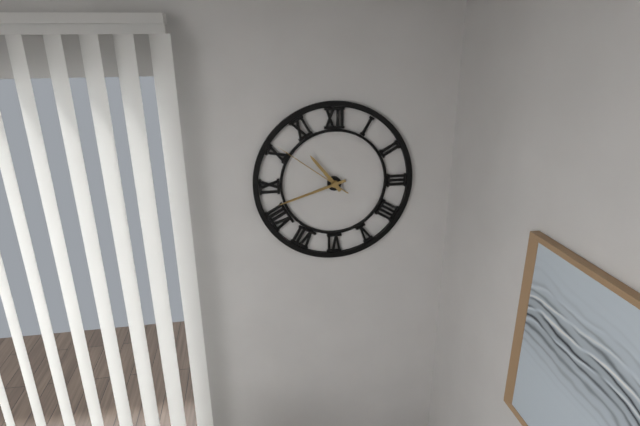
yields 10h42m51s
